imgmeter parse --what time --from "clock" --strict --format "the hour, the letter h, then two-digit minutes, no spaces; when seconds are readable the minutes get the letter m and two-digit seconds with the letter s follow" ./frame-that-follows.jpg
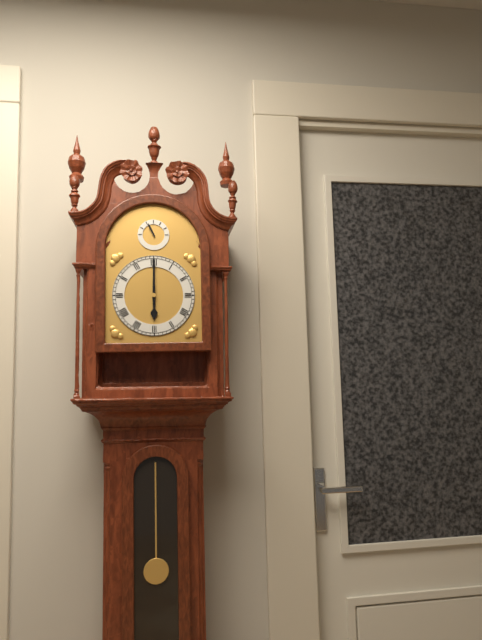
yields 6h00
